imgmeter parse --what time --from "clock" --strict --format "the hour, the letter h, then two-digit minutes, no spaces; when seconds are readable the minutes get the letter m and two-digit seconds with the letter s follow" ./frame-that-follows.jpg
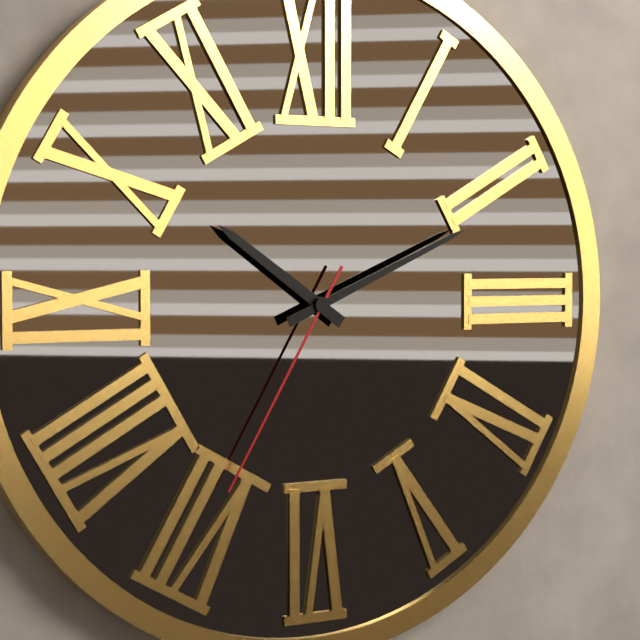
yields 10h11m35s
